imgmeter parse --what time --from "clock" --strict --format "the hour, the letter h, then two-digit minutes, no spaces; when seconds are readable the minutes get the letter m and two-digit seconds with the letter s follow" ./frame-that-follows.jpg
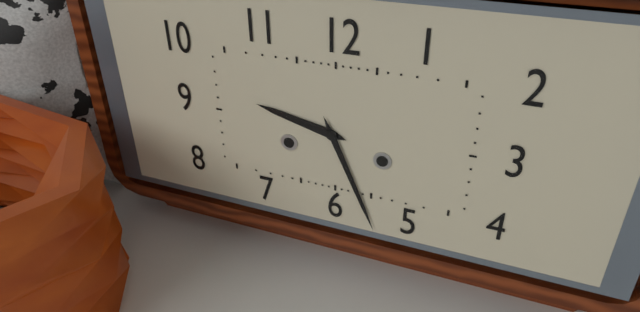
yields 9h26
